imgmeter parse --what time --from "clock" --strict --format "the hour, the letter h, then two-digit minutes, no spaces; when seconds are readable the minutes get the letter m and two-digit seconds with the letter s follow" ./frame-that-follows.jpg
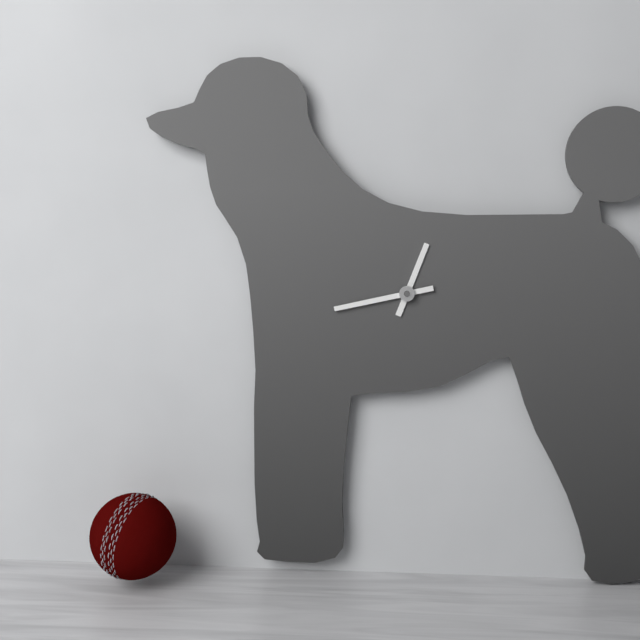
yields 12h43
